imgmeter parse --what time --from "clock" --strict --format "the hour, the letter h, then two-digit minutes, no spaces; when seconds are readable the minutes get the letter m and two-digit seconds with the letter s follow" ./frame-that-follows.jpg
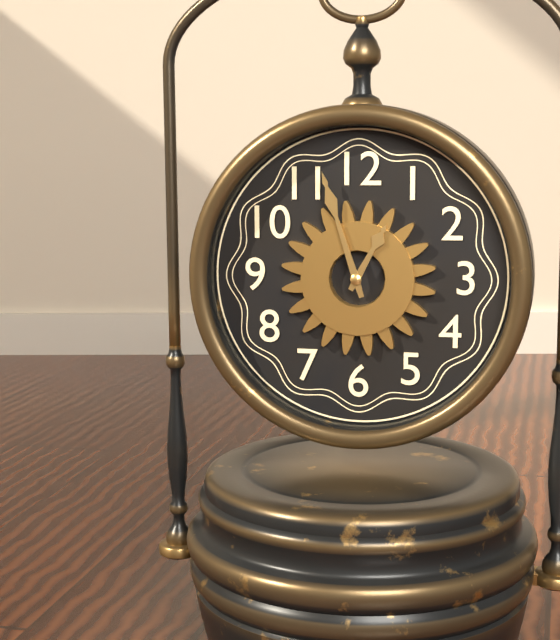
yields 12h57
